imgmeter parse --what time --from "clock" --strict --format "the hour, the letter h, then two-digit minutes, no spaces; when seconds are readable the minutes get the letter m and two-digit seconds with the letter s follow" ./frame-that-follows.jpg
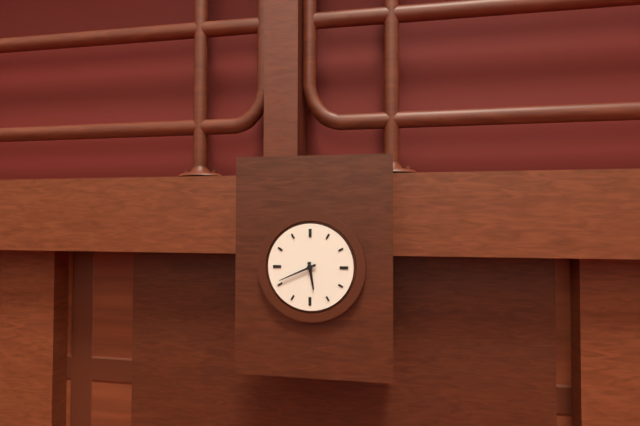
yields 5h41
